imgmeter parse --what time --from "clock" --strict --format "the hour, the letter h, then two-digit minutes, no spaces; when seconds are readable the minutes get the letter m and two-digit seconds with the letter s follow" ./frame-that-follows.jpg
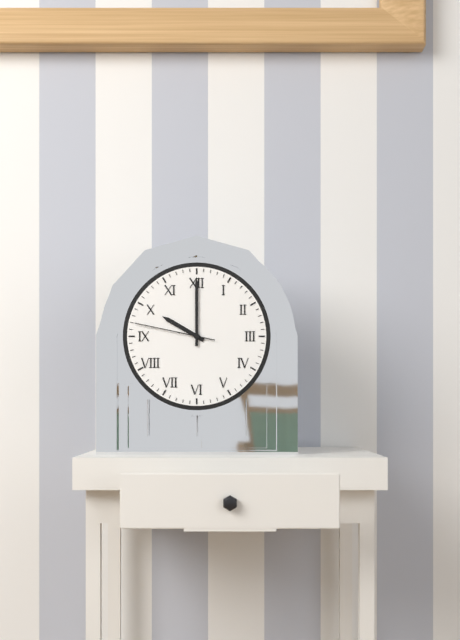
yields 10h00m47s
